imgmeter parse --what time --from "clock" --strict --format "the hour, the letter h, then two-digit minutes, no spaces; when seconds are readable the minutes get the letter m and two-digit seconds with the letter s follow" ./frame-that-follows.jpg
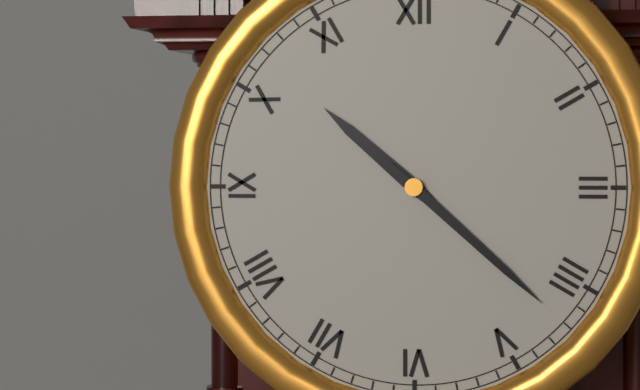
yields 10h22
